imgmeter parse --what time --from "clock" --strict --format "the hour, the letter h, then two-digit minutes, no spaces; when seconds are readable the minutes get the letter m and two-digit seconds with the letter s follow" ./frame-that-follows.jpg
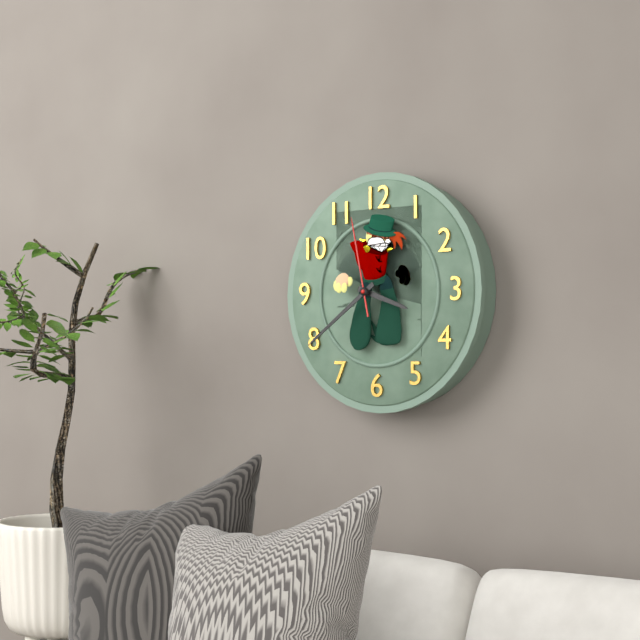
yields 3h39m58s
